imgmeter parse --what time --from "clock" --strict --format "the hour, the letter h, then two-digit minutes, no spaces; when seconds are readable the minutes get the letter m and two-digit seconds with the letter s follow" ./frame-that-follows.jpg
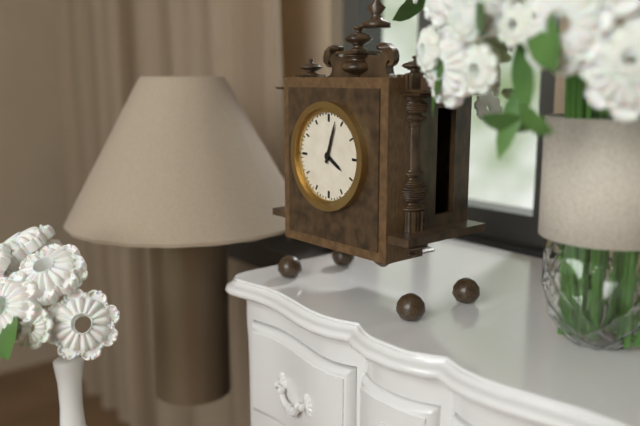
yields 4h03
